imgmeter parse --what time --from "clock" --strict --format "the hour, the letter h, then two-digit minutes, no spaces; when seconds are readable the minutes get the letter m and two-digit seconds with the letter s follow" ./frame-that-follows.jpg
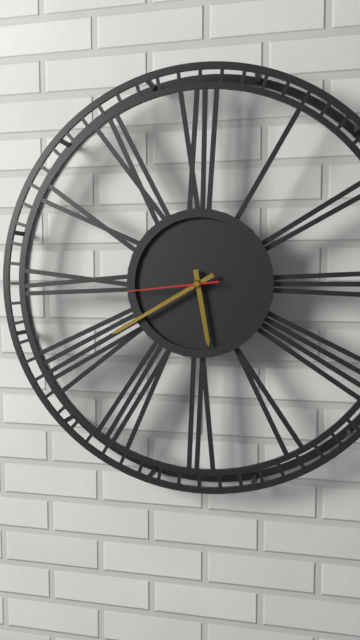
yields 5h40m44s
